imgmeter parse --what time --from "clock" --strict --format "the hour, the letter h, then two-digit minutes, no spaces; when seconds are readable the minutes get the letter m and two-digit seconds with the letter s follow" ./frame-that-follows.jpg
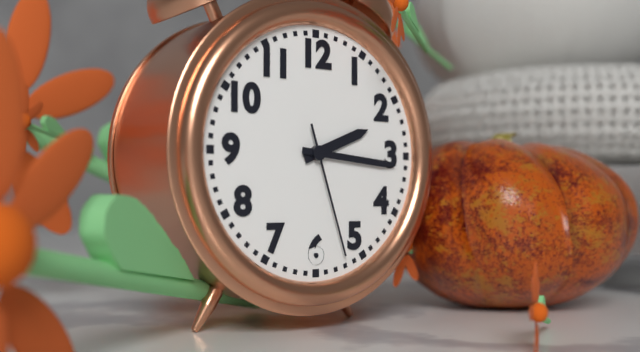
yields 2h16m27s
